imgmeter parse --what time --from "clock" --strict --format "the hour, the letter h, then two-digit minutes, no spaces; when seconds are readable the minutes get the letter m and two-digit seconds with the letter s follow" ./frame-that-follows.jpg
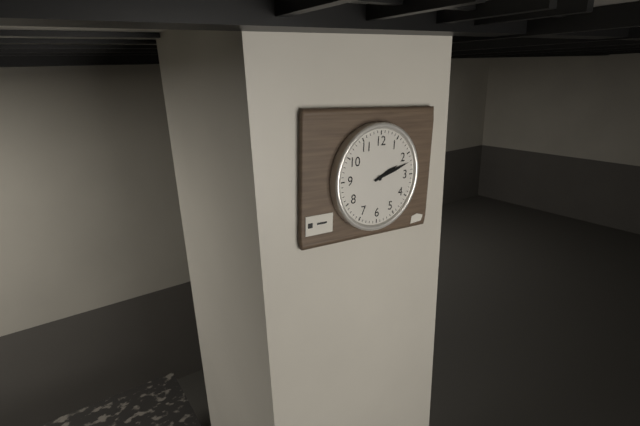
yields 2h12
